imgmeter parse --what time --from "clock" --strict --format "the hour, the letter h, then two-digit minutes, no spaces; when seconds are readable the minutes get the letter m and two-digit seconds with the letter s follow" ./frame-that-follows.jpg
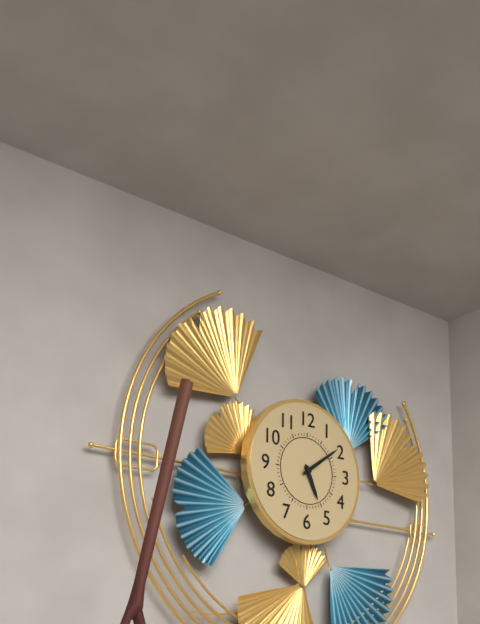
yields 5h09
